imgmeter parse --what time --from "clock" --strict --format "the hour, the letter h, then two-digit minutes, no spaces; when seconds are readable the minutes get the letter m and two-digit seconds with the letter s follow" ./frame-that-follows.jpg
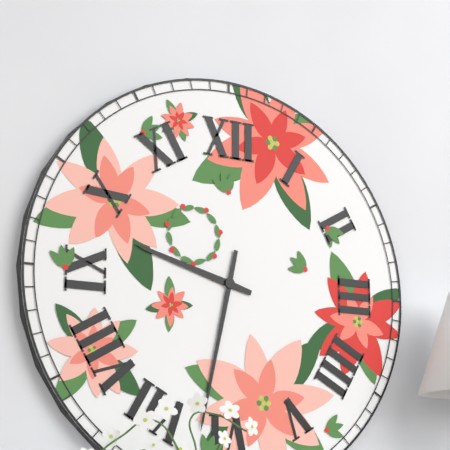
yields 9h32
